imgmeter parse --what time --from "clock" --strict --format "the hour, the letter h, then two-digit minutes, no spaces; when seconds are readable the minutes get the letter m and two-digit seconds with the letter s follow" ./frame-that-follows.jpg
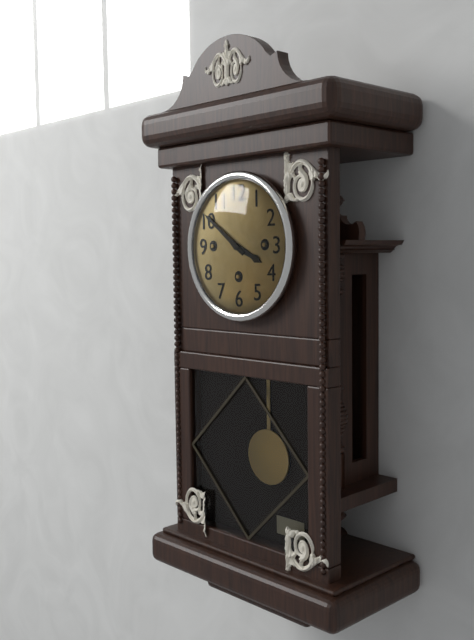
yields 3h51
